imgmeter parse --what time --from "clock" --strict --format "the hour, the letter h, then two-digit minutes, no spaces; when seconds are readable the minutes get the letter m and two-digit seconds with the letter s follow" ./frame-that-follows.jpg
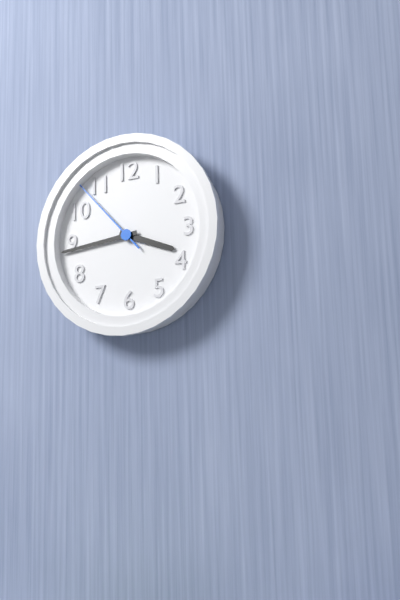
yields 3h44m53s
